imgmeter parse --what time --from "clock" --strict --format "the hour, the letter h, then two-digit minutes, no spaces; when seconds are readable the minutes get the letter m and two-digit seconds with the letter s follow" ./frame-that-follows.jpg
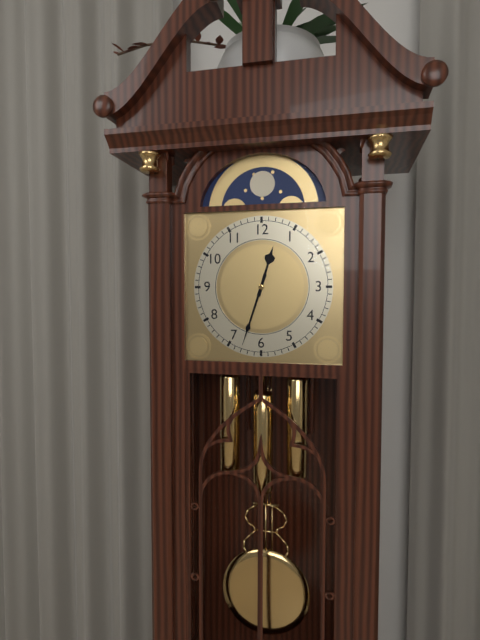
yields 12h33
